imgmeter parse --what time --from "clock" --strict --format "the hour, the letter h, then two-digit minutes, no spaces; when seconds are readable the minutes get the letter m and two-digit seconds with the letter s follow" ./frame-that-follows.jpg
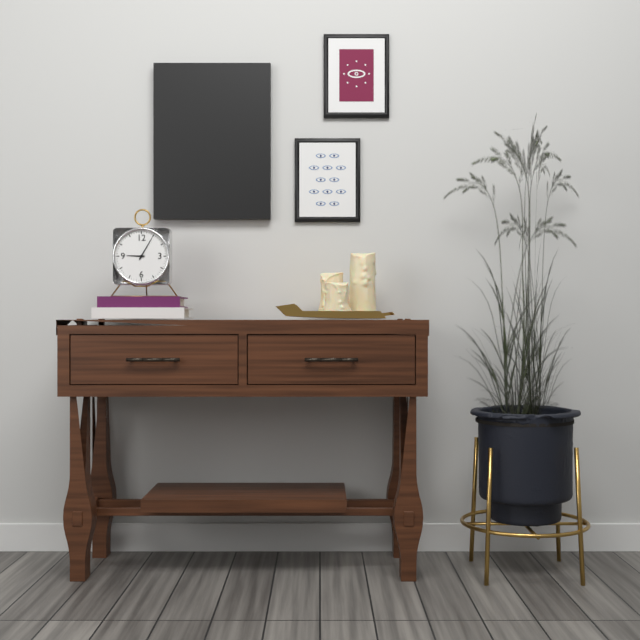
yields 9h05
